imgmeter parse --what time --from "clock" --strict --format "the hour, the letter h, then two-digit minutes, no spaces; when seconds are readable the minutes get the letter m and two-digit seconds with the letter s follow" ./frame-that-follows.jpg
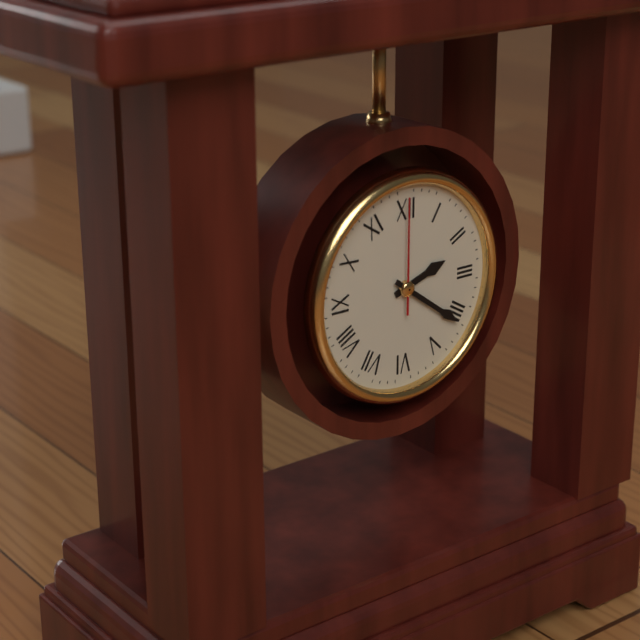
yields 2h21m00s
